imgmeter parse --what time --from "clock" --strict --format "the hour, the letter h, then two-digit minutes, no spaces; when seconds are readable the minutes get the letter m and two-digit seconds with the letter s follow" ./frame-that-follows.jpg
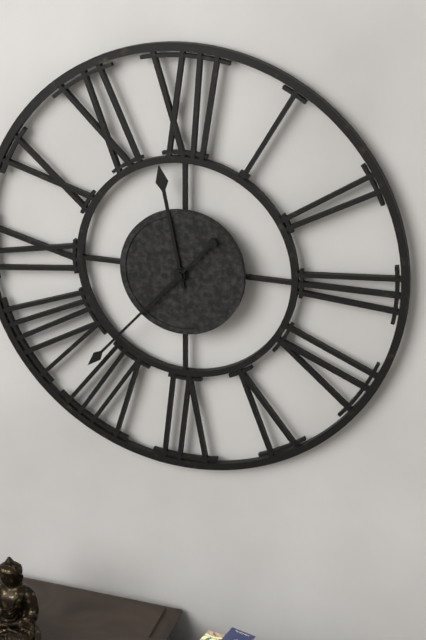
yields 11h37
